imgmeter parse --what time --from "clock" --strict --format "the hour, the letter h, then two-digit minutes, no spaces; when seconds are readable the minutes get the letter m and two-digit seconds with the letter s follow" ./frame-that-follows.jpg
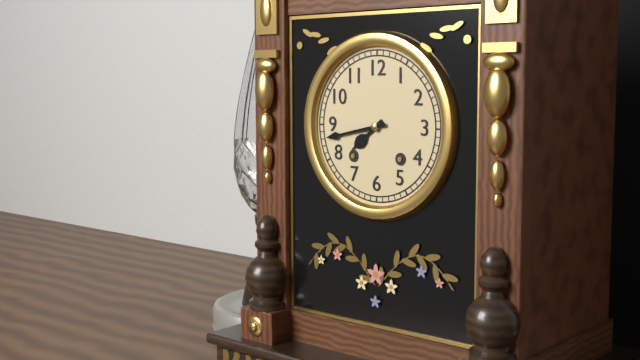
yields 7h43
